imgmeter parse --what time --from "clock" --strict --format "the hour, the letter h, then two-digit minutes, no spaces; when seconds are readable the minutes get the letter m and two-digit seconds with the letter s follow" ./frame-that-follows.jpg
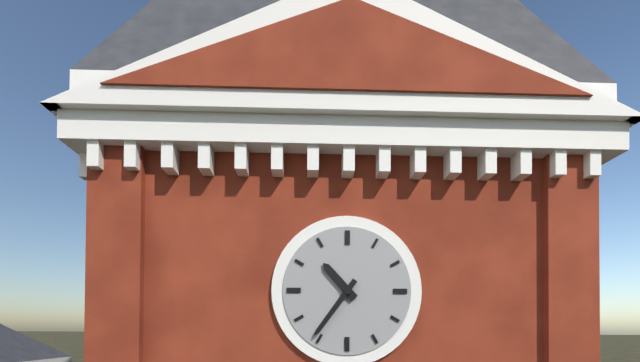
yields 10h36
